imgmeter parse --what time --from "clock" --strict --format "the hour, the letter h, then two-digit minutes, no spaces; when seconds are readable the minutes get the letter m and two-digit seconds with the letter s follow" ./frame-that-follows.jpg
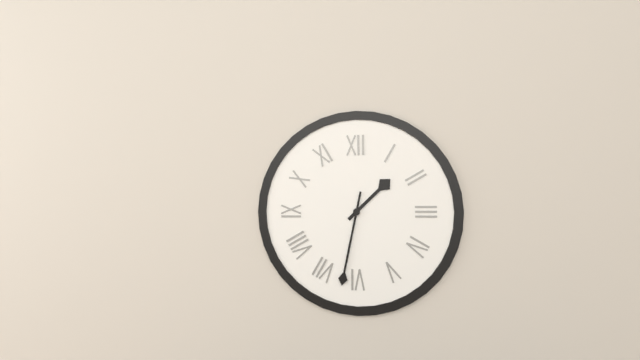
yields 1h32
